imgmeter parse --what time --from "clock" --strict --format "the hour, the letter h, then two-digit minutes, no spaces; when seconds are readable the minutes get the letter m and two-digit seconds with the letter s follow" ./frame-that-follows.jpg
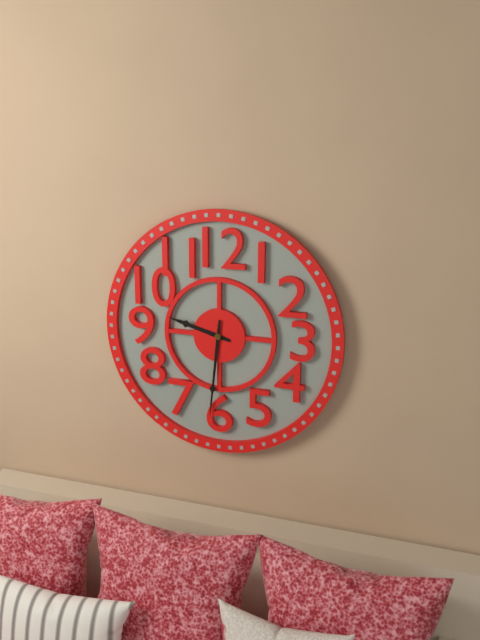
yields 9h31
